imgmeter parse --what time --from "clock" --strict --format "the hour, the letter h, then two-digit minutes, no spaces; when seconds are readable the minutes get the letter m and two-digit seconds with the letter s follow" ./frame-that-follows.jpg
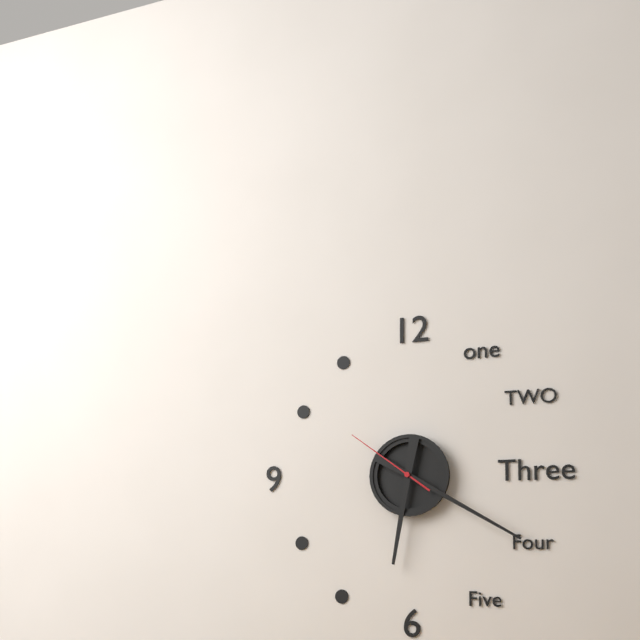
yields 6h20m51s
